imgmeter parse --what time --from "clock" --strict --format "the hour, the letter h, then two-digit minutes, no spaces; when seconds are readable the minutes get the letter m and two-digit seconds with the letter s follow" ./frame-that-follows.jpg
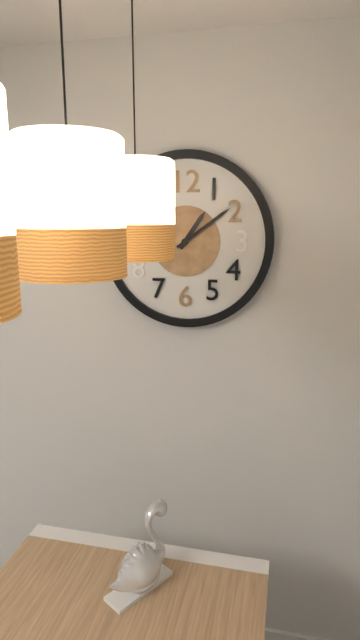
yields 1h09
